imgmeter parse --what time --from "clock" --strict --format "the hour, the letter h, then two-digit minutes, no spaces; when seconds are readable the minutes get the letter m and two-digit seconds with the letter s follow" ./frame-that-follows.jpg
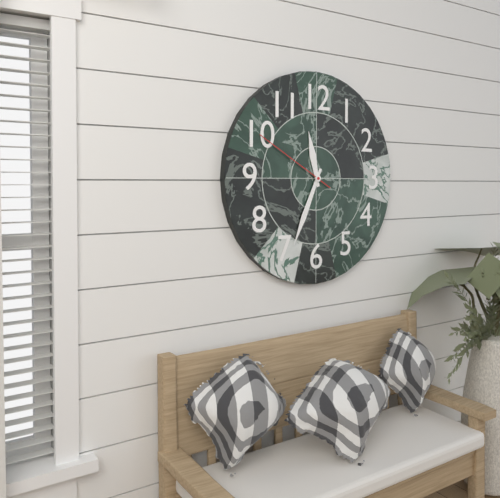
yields 11h34m50s
